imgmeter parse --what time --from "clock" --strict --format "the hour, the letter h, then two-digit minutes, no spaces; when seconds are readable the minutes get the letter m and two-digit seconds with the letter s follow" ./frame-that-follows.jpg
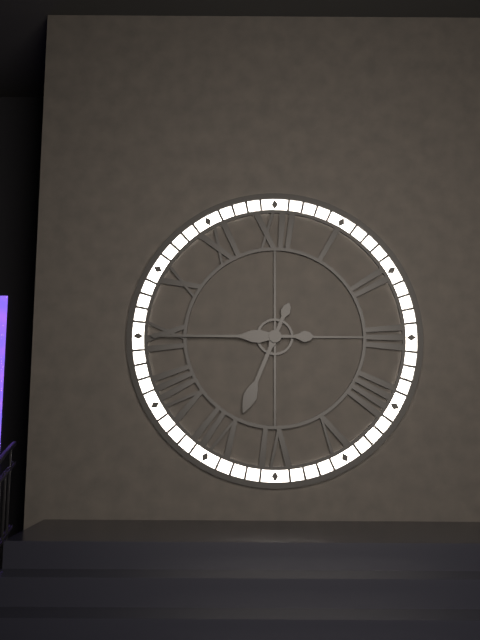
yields 6h45
